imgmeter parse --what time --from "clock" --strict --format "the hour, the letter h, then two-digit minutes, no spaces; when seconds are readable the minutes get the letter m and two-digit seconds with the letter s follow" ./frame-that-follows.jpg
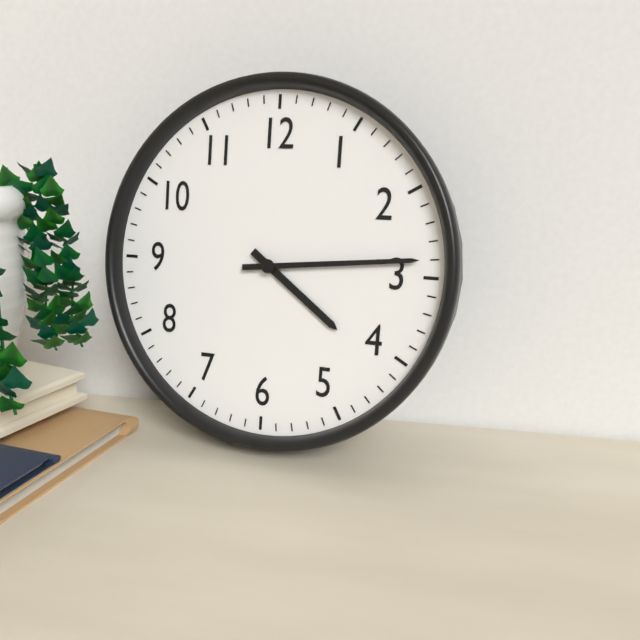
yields 4h14
